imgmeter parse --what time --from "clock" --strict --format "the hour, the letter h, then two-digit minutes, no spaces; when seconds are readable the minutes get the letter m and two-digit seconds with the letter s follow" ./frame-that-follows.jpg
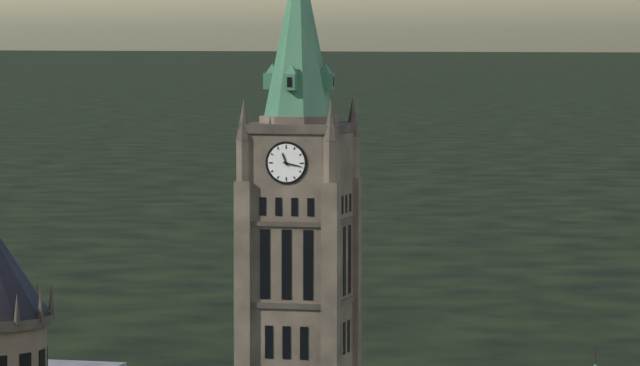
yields 11h17
